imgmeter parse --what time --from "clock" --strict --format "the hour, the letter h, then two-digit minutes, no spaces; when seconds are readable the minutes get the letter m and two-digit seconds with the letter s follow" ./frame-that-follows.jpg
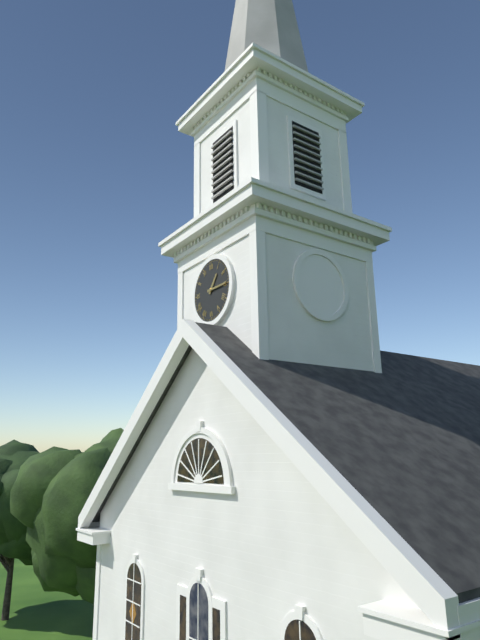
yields 1h15
